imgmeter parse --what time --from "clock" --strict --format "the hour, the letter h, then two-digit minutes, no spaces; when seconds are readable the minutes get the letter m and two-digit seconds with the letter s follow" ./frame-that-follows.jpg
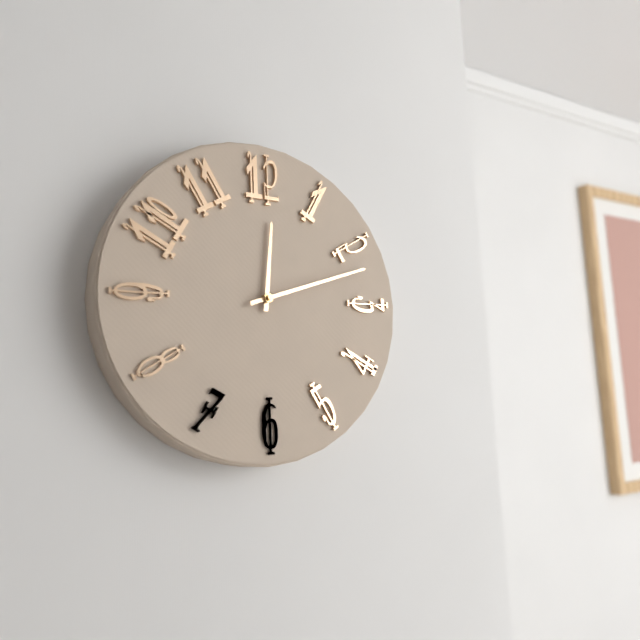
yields 12h12
